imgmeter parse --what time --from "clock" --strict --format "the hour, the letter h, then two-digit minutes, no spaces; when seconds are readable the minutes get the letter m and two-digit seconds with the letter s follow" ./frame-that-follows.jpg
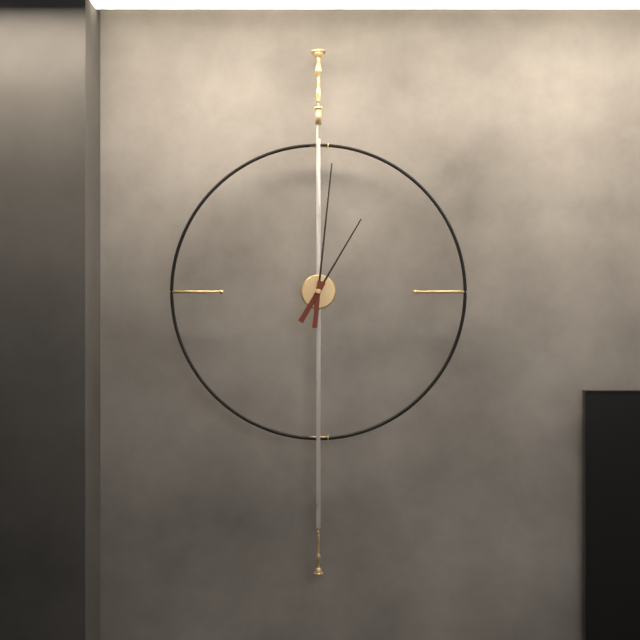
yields 1h01
